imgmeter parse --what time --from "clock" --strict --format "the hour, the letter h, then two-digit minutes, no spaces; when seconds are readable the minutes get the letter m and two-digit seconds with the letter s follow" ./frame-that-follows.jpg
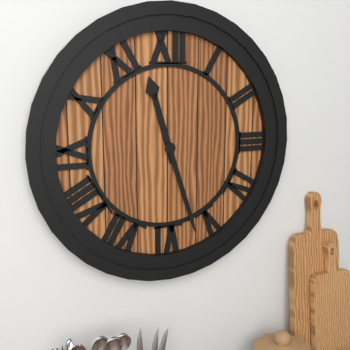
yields 11h27
